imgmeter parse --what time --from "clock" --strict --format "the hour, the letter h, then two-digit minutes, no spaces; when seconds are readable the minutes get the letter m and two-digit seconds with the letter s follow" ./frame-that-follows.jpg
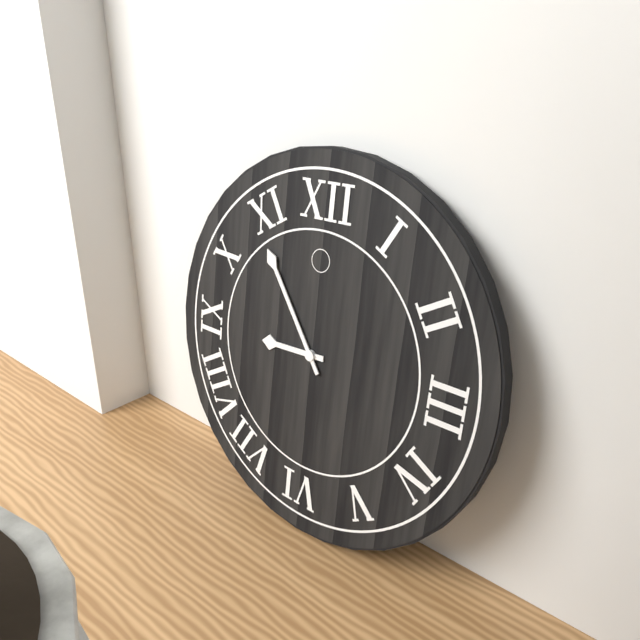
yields 8h54
